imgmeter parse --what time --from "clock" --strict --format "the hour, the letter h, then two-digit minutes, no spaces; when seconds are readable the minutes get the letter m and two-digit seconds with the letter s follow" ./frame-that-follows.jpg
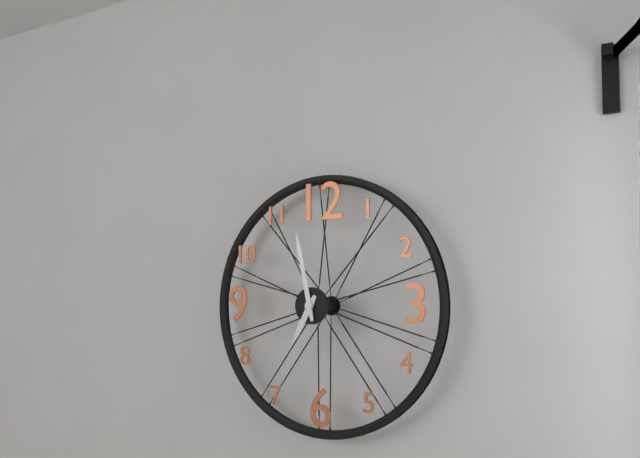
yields 6h58
